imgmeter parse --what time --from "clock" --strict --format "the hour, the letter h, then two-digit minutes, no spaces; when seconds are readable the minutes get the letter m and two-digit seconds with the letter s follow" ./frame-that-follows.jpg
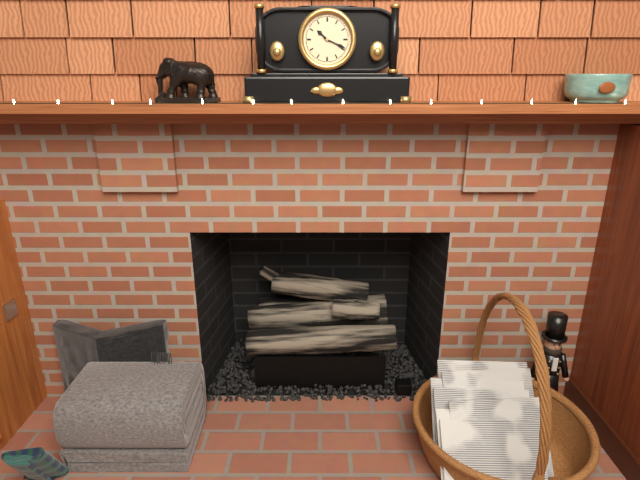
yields 10h19
